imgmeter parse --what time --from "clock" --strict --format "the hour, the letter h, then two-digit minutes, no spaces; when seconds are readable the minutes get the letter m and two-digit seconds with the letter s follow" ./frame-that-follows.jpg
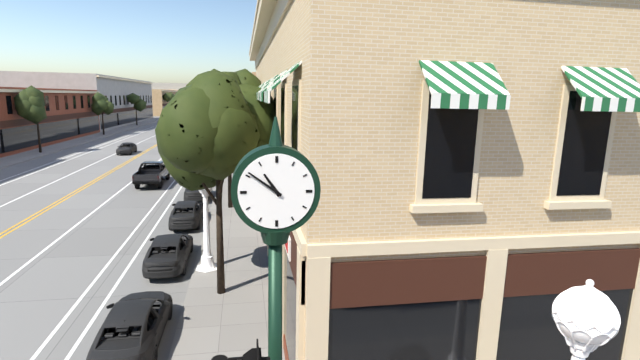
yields 10h51
